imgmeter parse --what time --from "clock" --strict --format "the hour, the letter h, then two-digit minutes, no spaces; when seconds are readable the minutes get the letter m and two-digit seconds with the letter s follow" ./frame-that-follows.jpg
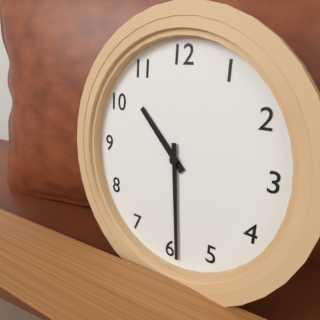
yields 10h29
